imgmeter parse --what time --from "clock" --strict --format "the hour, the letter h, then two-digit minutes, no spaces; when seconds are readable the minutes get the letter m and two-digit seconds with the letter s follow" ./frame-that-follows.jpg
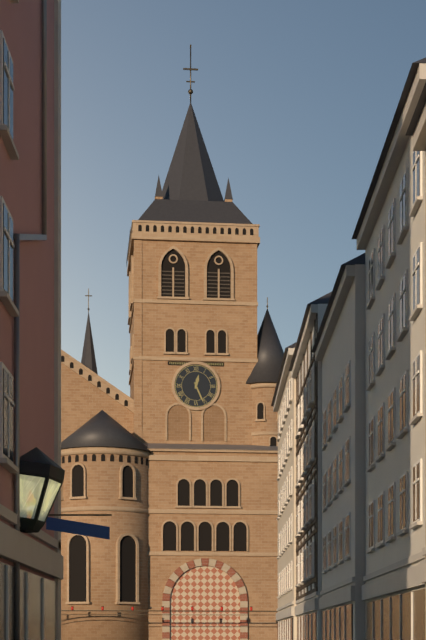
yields 12h26
